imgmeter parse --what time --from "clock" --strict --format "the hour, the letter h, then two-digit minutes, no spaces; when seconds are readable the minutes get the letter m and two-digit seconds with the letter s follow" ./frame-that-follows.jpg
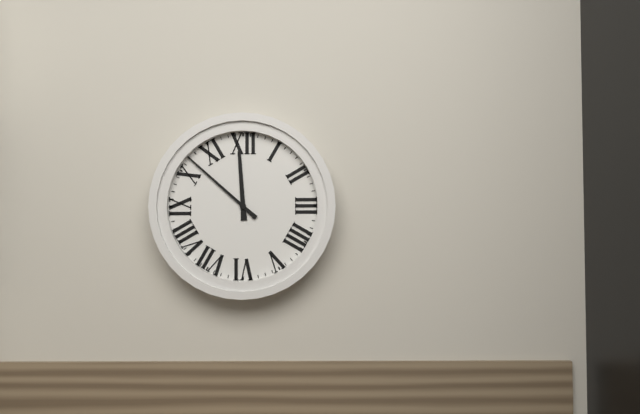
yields 11h52
